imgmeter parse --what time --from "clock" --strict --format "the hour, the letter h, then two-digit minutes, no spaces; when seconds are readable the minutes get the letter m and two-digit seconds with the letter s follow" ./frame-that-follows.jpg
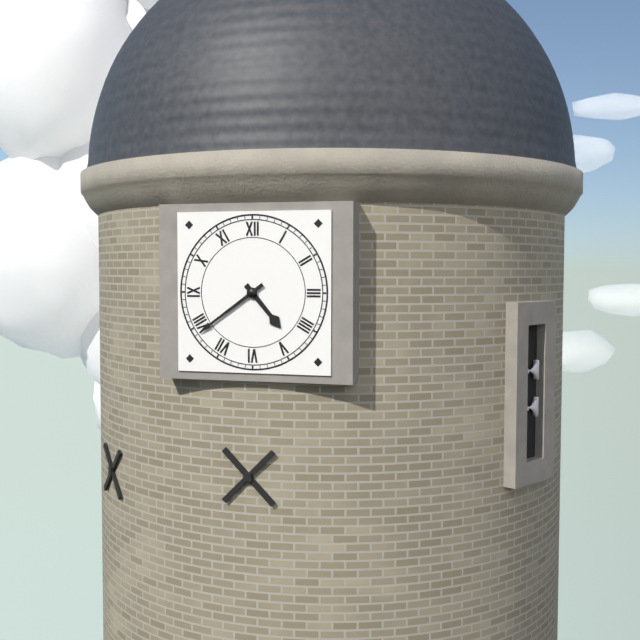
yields 4h39
